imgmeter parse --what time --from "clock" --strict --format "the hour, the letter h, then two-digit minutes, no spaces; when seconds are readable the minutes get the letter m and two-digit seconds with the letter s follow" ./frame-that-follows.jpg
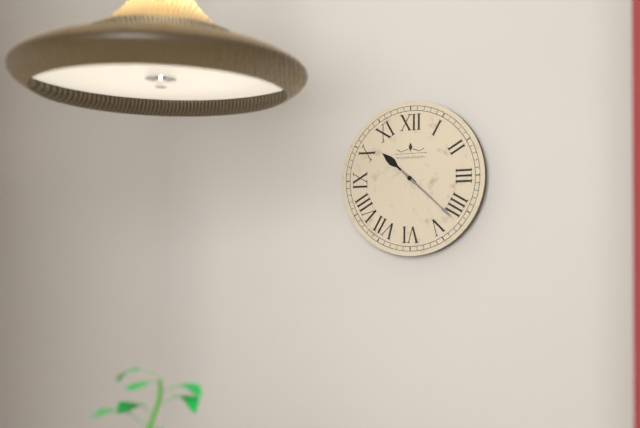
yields 10h22
